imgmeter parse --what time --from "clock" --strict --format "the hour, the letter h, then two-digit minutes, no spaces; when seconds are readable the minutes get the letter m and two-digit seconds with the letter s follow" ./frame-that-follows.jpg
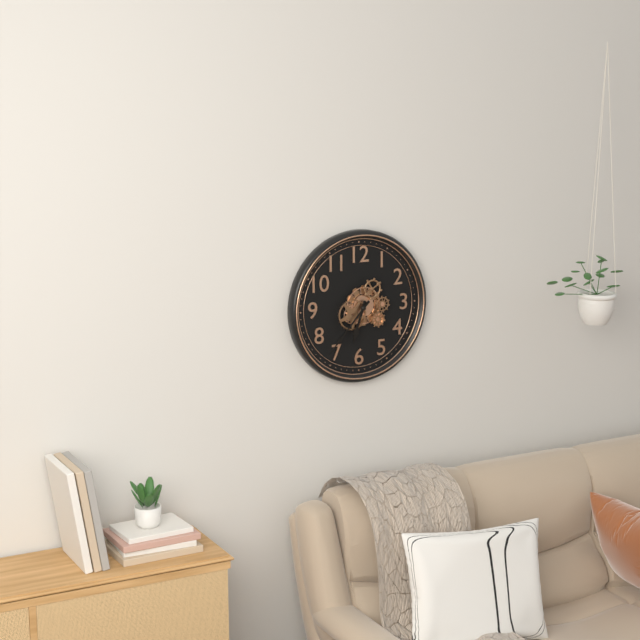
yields 6h37
